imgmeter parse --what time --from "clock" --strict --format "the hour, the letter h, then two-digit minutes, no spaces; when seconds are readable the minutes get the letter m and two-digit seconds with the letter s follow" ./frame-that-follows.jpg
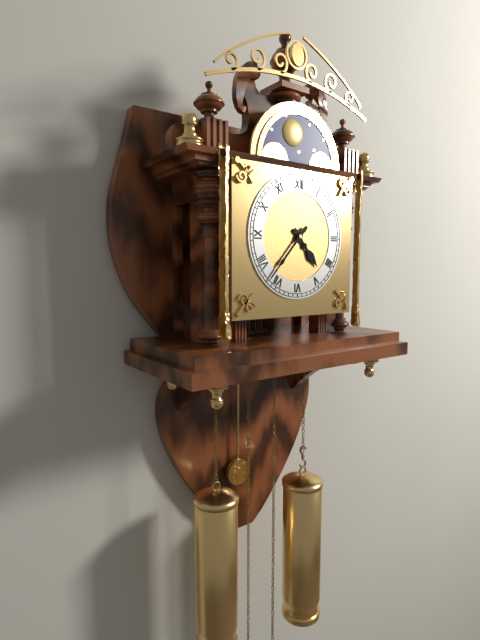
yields 4h37
